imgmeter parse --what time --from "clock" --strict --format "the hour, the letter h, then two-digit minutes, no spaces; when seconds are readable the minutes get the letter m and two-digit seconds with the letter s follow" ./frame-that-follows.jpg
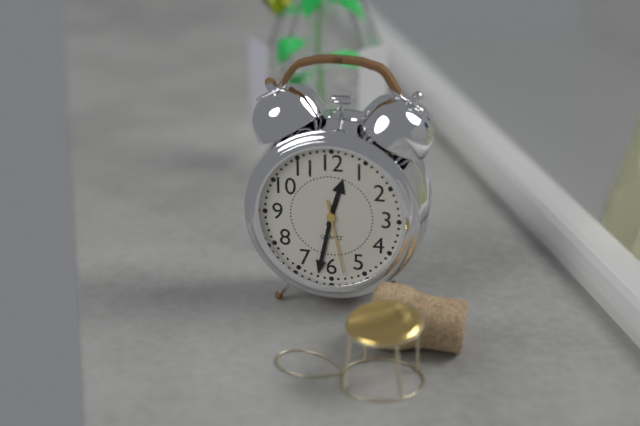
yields 12h32m28s
